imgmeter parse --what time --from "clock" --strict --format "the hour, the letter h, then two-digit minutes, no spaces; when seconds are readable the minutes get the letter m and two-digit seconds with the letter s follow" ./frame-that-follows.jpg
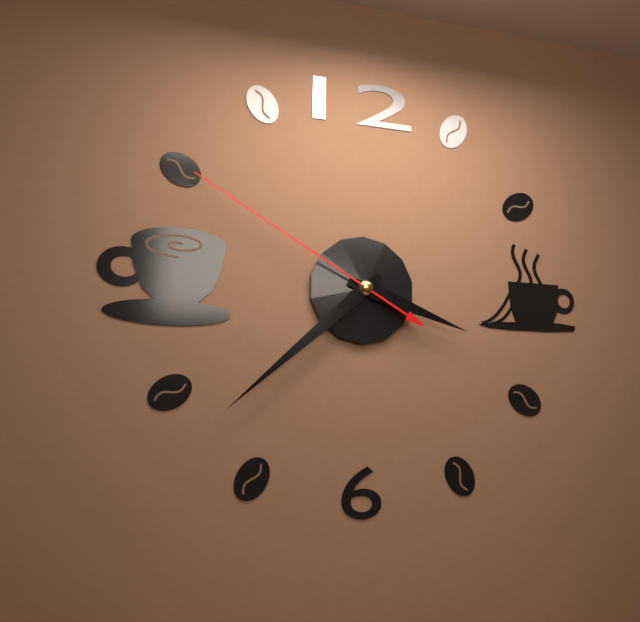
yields 3h38m50s
